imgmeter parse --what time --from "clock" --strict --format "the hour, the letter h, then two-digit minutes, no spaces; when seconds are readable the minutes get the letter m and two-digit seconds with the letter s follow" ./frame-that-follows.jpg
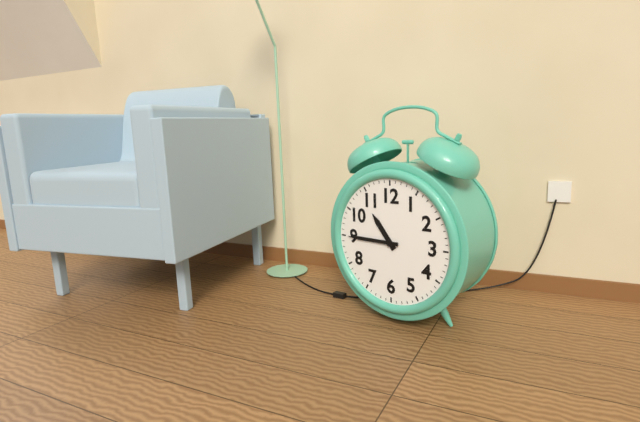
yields 10h45
